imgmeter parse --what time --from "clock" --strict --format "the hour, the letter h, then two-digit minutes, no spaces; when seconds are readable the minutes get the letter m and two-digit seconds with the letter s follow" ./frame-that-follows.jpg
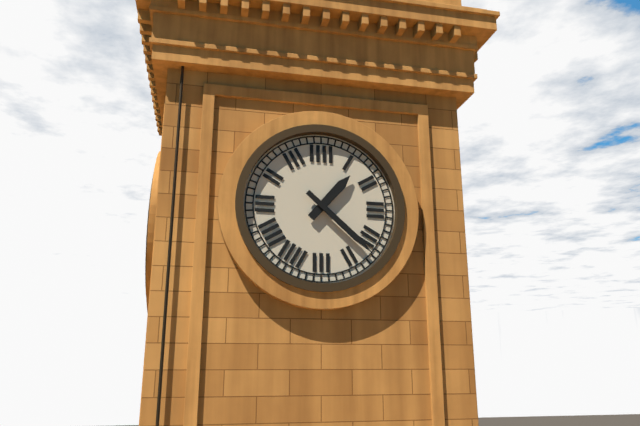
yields 1h22
